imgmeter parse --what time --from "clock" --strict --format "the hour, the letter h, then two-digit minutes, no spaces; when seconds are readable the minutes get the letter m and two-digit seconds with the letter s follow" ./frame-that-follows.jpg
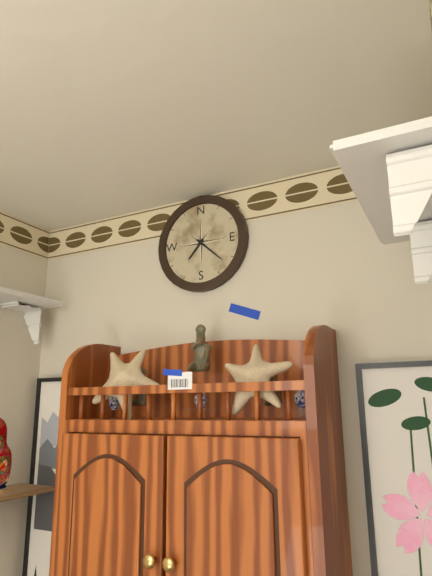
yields 7h22
